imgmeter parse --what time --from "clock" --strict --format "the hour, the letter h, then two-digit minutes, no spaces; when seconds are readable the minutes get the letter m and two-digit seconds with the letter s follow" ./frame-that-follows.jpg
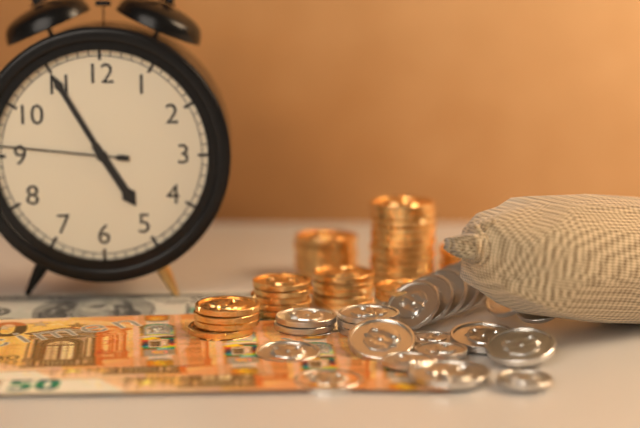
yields 4h55
